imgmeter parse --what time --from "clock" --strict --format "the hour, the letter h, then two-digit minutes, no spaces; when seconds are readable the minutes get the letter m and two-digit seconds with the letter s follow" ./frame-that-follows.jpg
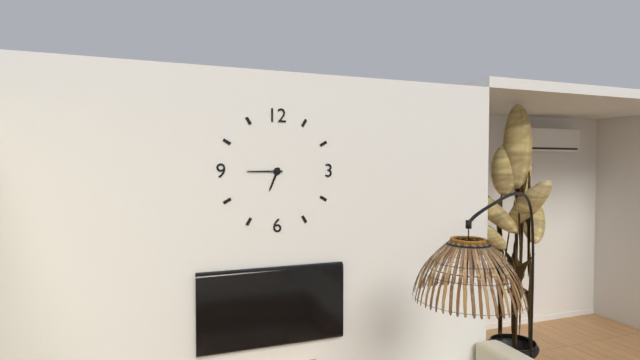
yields 6h45
